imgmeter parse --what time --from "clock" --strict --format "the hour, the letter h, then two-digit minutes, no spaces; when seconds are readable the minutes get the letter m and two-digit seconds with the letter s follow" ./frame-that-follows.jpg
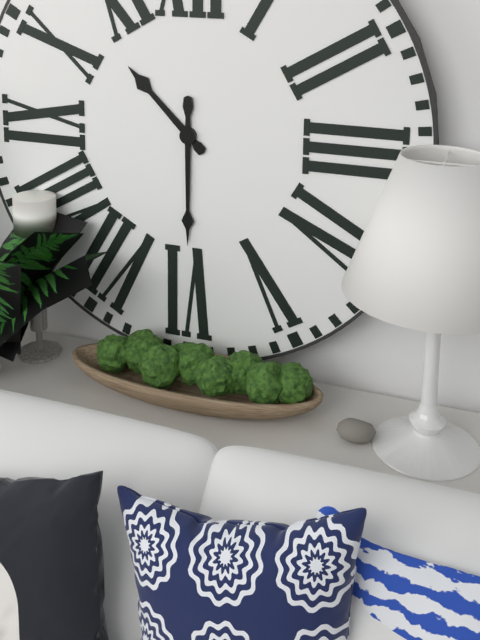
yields 10h30
